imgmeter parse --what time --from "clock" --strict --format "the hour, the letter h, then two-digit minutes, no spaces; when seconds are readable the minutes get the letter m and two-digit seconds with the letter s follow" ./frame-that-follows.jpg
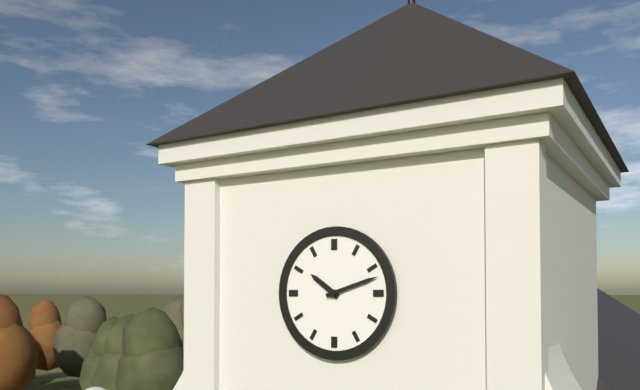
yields 10h12
